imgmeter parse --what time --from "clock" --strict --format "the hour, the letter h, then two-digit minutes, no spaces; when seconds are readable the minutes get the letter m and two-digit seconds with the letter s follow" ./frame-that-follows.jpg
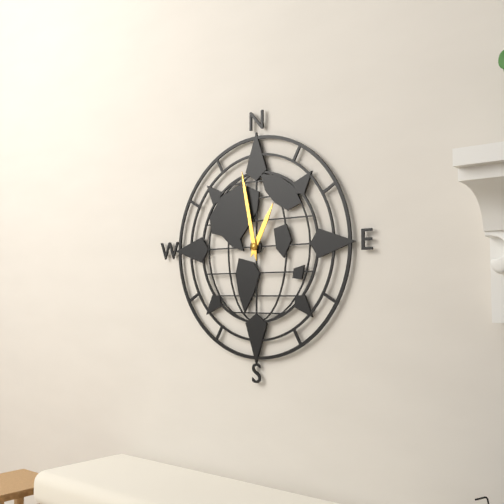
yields 12h58
